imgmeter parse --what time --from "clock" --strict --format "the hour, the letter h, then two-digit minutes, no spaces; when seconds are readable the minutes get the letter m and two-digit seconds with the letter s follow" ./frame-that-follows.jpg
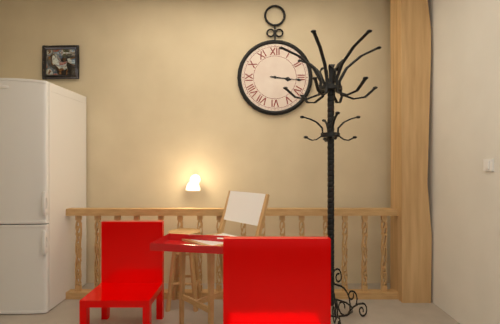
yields 3h16
